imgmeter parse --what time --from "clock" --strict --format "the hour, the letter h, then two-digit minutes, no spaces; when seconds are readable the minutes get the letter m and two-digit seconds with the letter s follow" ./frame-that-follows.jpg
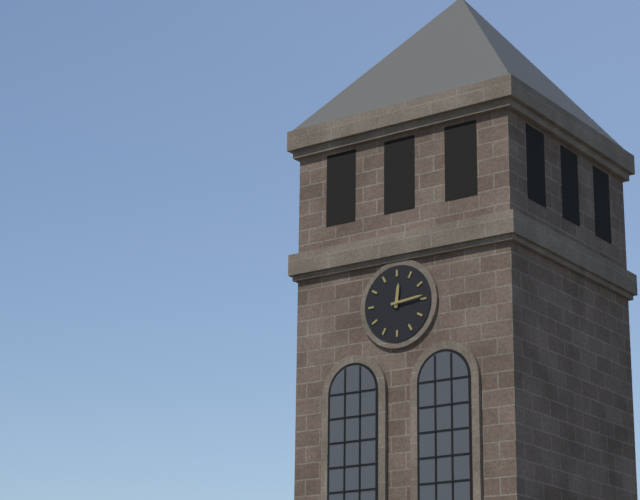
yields 12h14
